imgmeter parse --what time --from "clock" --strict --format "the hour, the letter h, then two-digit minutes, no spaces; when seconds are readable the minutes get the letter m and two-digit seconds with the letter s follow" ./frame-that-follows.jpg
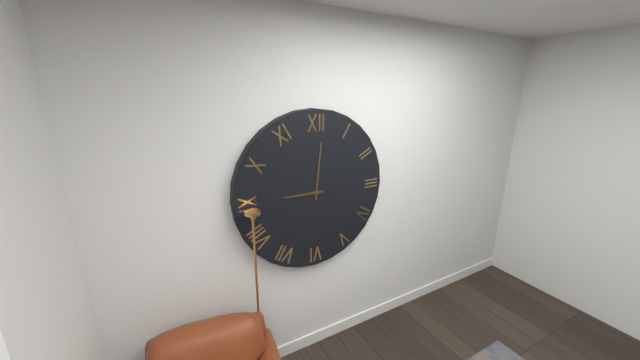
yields 9h01
